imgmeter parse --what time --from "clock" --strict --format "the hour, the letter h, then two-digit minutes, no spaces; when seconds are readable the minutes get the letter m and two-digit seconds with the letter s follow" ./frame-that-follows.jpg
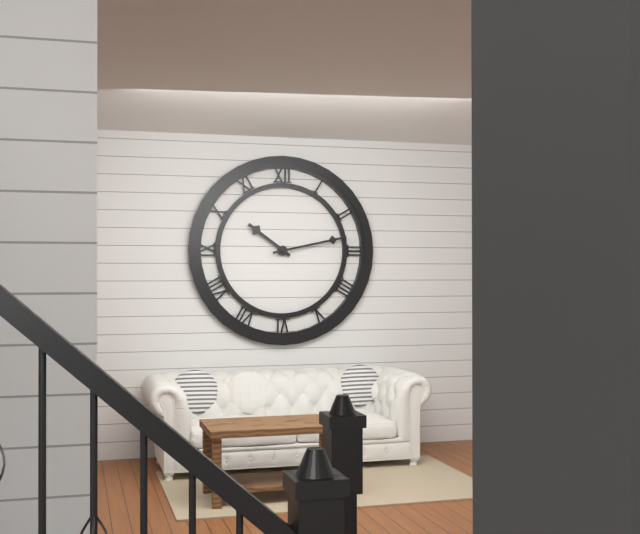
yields 10h13
